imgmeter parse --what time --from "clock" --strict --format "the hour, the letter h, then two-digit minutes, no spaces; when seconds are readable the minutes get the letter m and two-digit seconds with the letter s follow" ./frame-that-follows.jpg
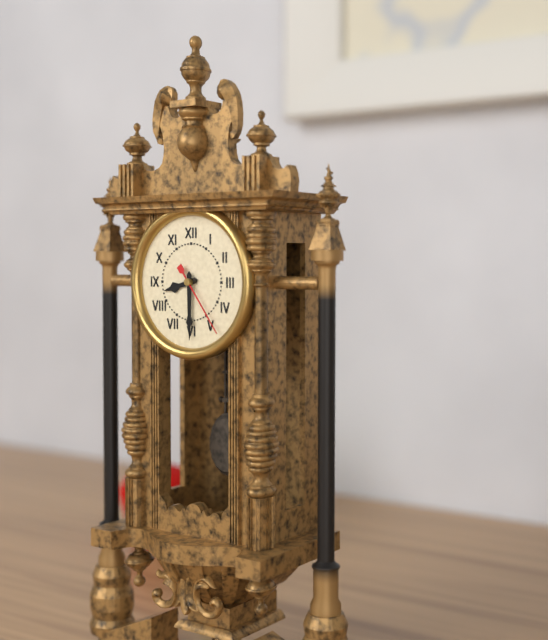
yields 8h30m24s
